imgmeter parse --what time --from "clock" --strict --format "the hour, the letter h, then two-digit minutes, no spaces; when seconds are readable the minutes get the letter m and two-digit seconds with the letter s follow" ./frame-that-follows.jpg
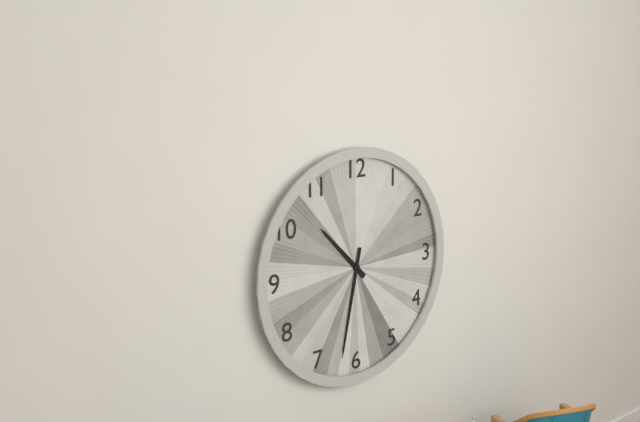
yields 10h32
